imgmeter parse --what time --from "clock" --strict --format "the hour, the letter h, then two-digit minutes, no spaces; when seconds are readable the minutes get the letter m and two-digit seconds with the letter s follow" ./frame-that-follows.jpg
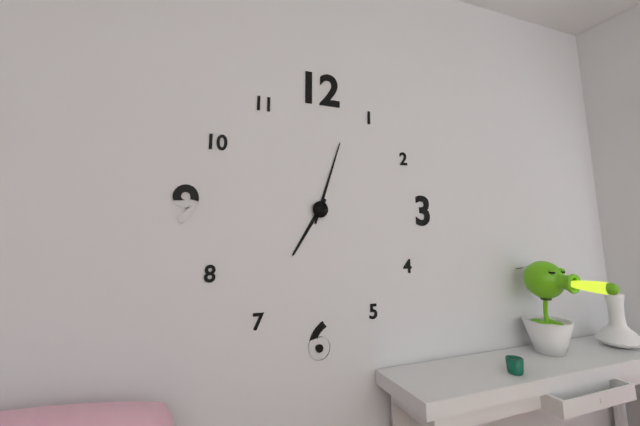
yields 7h03
